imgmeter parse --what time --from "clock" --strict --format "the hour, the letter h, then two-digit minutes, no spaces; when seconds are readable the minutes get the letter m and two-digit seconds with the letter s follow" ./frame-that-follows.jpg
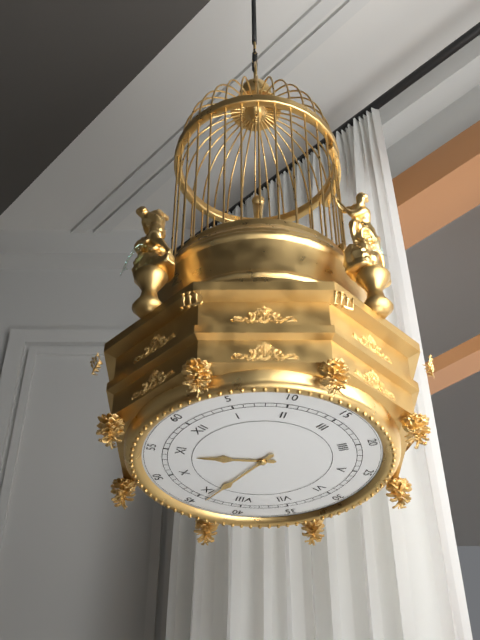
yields 10h44
